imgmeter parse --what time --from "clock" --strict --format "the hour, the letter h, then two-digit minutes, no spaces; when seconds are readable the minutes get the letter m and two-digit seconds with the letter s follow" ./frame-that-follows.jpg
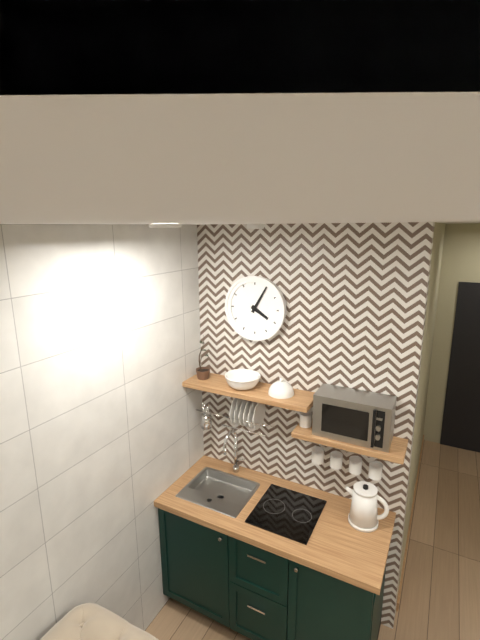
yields 4h05
